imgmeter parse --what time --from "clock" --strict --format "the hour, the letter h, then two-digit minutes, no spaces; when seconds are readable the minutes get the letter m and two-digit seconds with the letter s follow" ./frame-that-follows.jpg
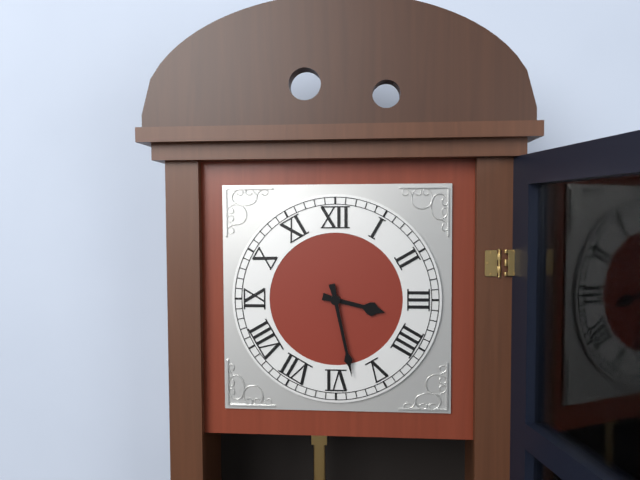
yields 3h28
